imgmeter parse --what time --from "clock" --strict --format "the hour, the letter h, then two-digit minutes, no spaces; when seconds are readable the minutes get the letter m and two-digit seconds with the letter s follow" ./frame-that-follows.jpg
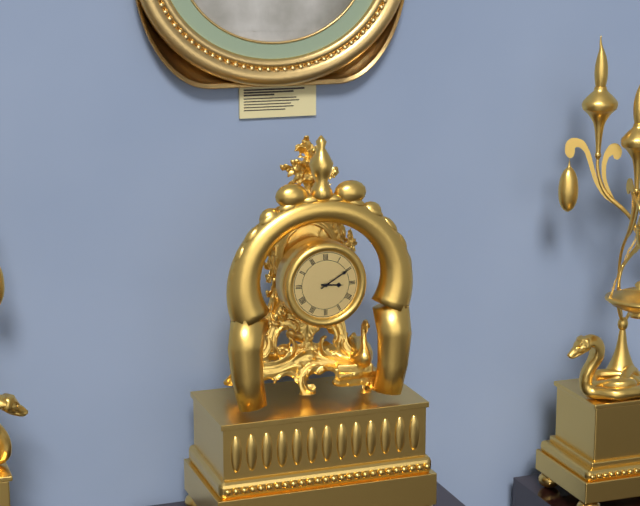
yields 3h10
